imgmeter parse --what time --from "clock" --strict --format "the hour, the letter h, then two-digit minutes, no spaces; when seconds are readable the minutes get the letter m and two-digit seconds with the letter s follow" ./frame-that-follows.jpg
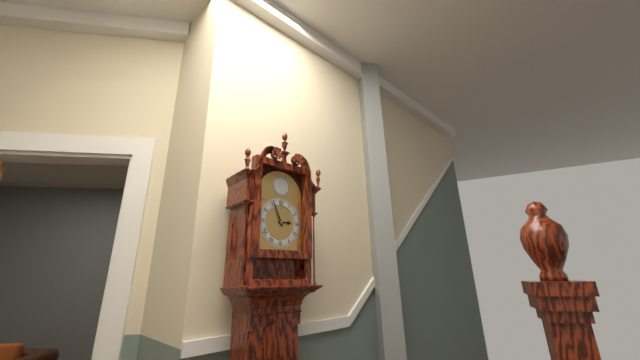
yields 2h56
